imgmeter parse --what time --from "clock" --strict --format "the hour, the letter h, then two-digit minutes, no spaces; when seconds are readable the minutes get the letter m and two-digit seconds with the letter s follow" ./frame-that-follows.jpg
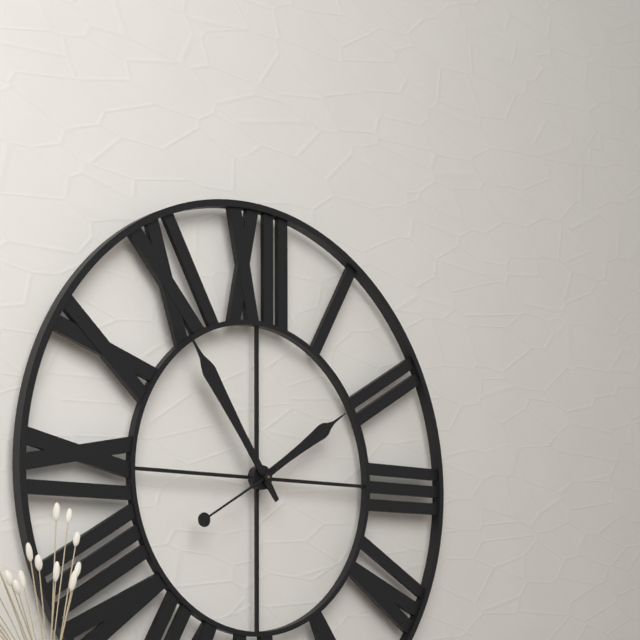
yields 1h54m40s
